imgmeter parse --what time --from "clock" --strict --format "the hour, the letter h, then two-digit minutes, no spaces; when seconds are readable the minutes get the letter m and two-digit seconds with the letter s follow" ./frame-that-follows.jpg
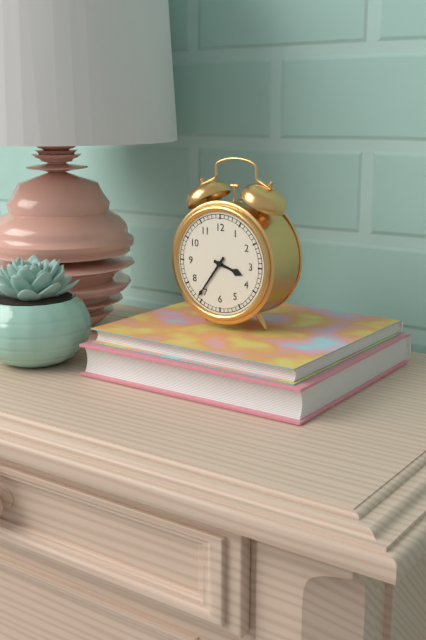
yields 3h36
